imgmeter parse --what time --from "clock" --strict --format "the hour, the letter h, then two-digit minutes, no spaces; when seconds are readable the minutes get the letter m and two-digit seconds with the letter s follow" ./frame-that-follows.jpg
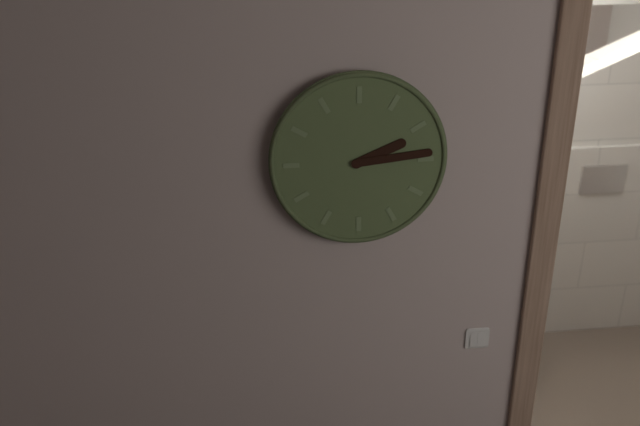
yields 2h14
